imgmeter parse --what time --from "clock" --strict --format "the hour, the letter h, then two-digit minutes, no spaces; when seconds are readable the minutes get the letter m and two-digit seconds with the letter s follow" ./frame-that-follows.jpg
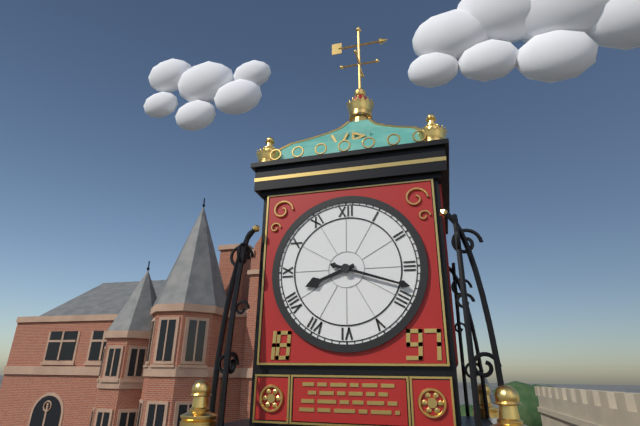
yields 8h18
